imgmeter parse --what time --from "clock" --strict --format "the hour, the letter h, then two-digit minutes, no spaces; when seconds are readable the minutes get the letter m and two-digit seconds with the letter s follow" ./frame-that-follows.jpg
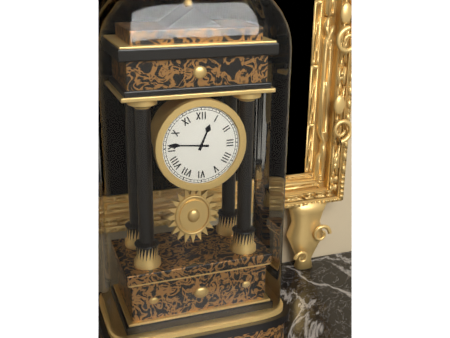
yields 12h46
